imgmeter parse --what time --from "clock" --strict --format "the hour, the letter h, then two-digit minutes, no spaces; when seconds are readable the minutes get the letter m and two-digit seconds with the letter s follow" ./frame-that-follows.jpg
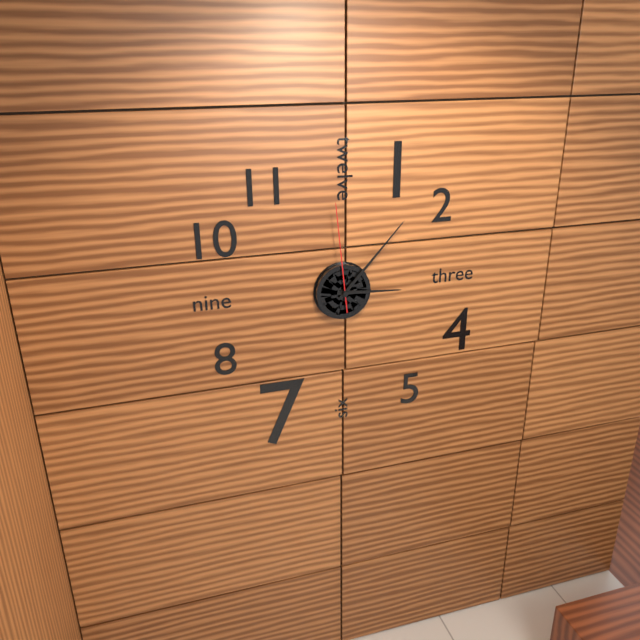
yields 3h07m59s
